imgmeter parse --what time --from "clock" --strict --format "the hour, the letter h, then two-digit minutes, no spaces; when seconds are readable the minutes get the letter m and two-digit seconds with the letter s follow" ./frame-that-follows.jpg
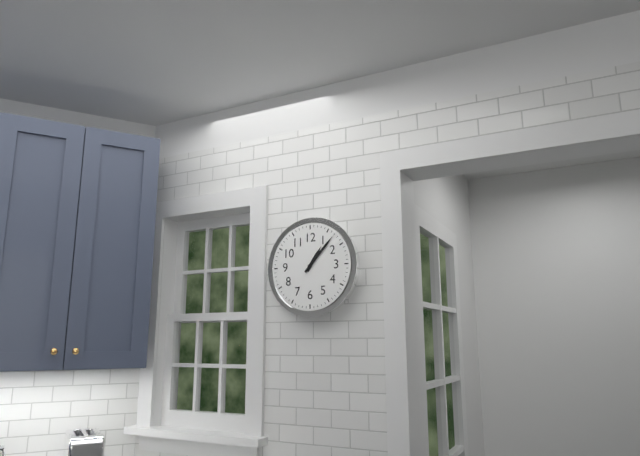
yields 1h07
